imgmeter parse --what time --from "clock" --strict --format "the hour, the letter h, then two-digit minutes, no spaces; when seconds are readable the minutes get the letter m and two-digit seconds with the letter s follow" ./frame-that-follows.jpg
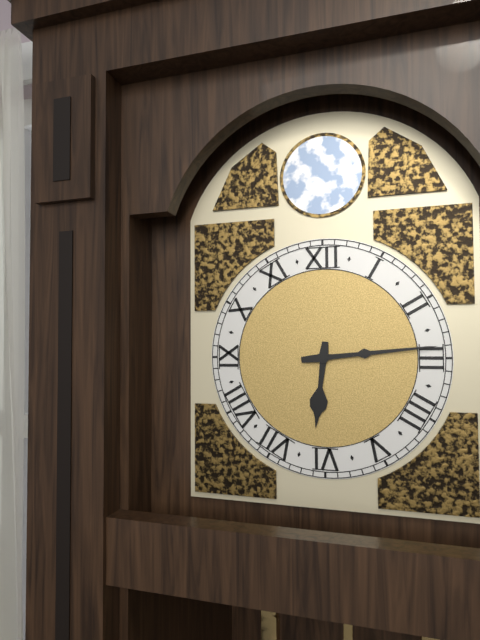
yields 6h14
